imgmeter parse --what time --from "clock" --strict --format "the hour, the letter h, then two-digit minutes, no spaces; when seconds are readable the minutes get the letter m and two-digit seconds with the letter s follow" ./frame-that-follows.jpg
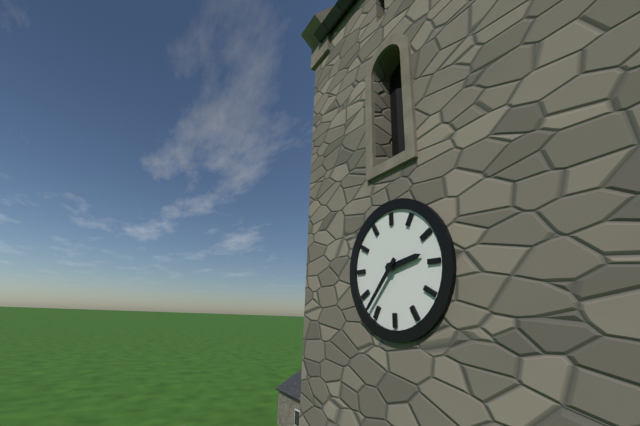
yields 2h37
